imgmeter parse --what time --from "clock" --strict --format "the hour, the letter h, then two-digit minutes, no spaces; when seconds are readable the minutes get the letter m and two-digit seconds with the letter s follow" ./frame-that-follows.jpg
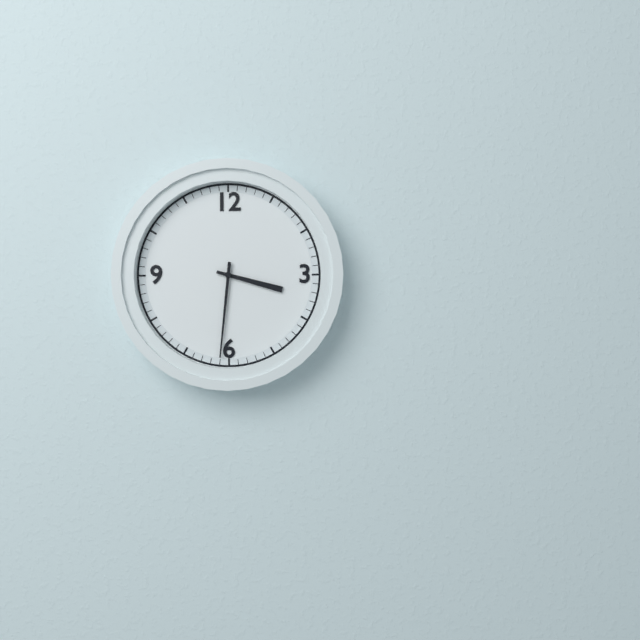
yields 3h31
